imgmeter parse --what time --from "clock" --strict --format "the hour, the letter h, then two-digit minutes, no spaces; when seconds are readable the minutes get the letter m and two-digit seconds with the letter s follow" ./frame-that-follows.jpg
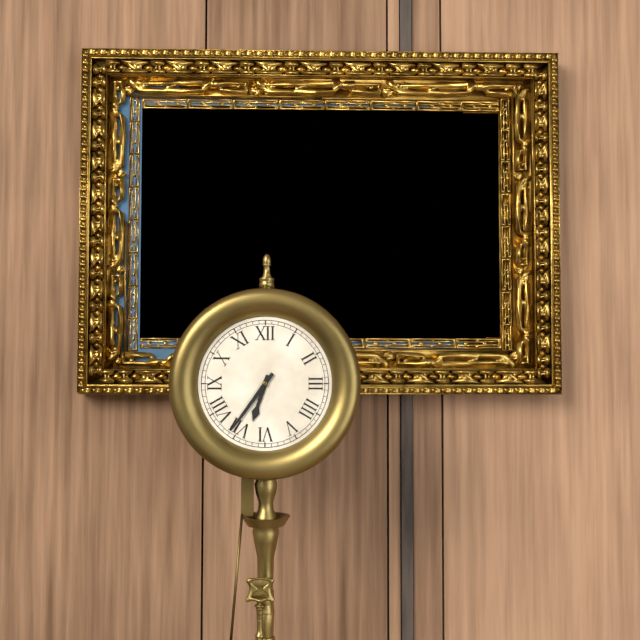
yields 6h36
